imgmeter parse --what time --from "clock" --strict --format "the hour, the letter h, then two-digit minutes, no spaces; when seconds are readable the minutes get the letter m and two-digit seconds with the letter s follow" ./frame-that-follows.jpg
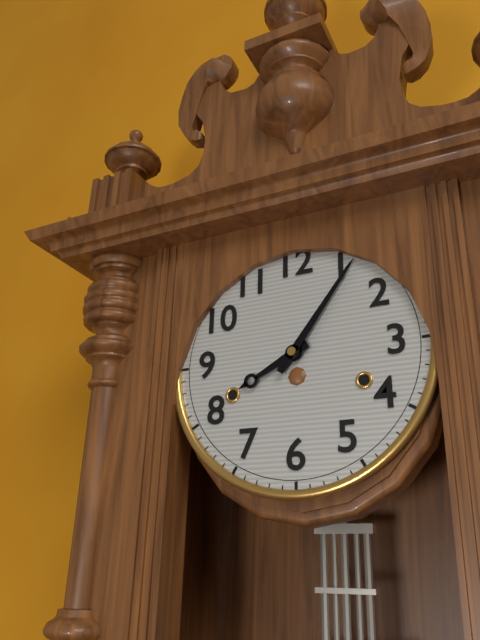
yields 8h06
